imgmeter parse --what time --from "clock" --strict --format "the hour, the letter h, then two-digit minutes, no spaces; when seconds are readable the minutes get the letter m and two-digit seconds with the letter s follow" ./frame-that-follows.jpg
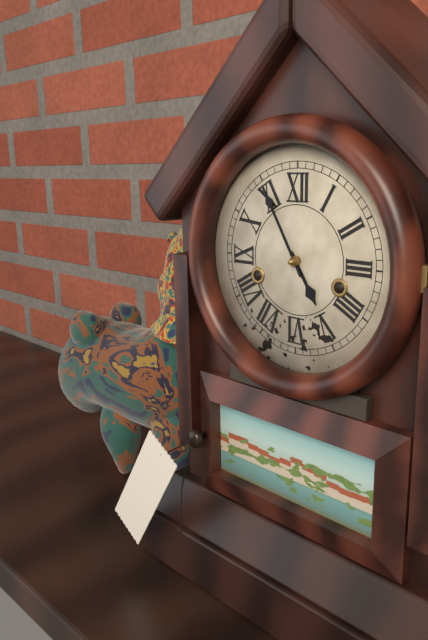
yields 4h55
